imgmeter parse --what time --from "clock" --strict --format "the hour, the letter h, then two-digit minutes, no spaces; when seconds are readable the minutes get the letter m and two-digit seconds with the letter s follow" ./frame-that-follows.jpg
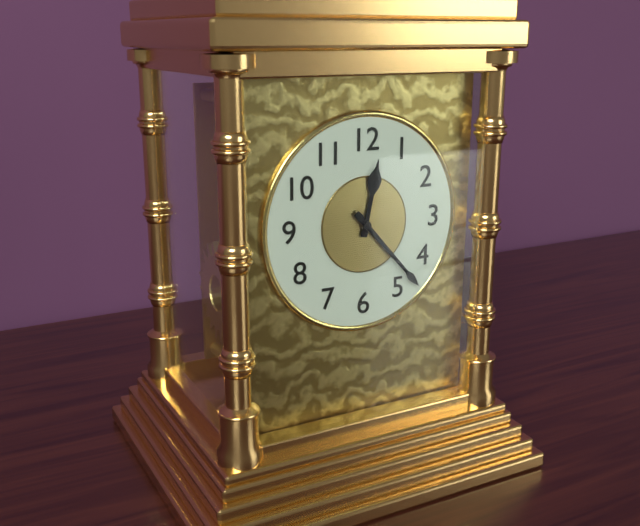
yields 12h23
